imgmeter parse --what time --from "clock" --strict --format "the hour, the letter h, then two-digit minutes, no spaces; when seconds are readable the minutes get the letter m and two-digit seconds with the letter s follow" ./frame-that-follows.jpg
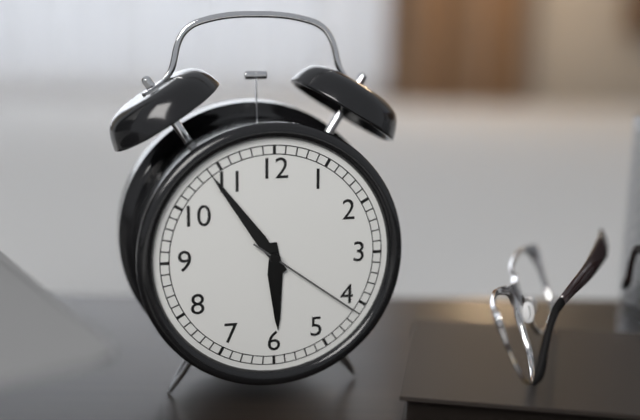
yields 5h54m21s
